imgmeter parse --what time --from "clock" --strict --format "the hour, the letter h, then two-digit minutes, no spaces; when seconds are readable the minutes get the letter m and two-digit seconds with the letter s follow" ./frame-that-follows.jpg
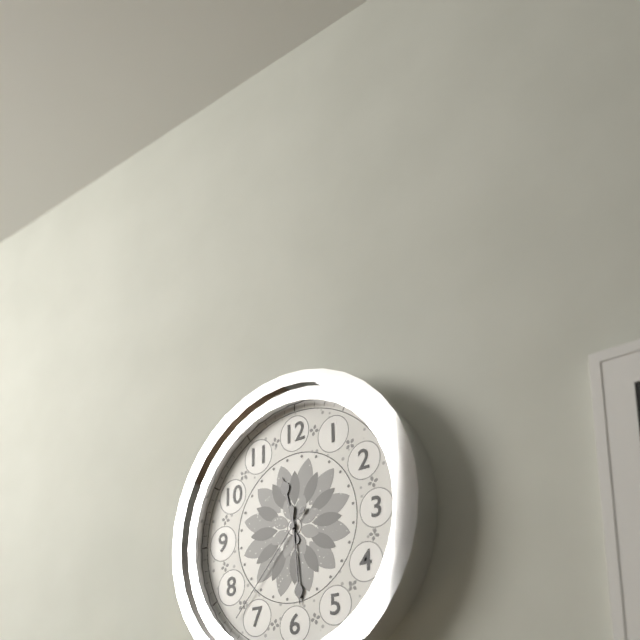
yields 11h29m37s
